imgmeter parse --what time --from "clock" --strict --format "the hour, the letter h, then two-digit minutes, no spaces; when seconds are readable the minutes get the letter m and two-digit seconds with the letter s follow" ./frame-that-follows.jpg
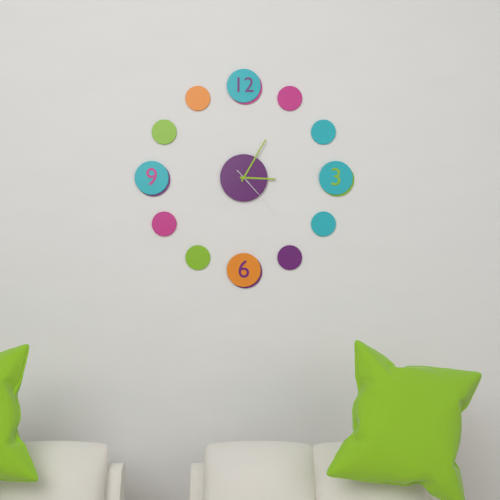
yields 3h05m23s
